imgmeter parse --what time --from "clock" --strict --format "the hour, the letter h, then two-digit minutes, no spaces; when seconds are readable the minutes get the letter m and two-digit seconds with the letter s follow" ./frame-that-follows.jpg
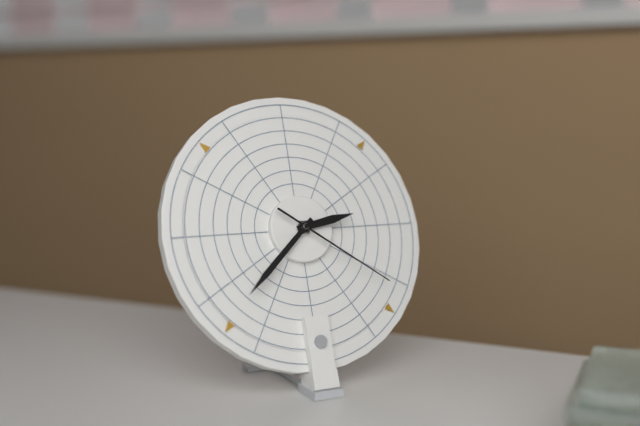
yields 2h38m21s
